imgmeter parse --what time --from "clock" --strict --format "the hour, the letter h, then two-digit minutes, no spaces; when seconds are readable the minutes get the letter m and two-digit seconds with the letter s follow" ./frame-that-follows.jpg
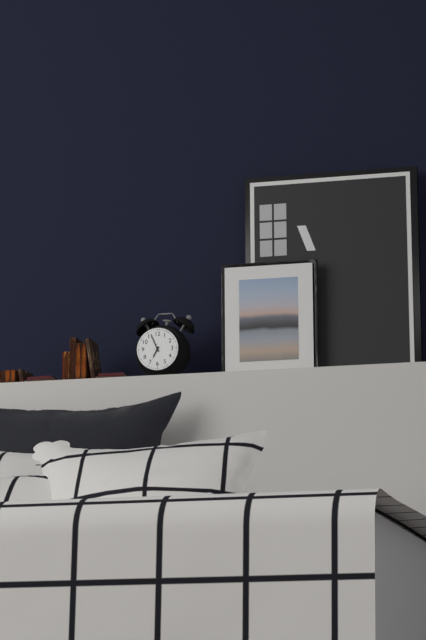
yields 6h56
